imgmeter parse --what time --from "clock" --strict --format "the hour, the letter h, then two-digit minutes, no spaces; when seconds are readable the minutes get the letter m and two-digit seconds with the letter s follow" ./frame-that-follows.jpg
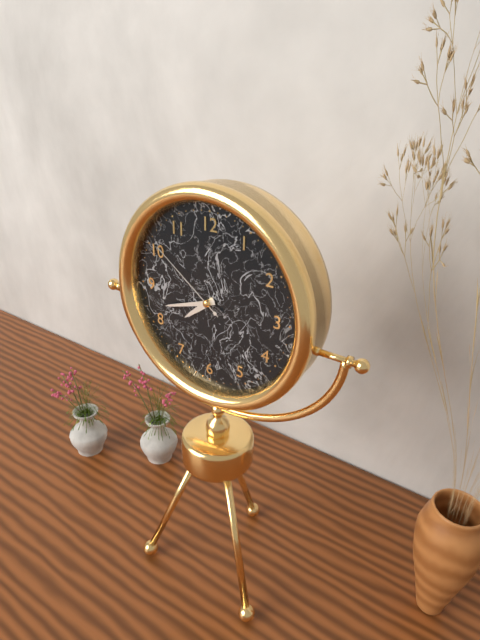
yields 7h42m51s
